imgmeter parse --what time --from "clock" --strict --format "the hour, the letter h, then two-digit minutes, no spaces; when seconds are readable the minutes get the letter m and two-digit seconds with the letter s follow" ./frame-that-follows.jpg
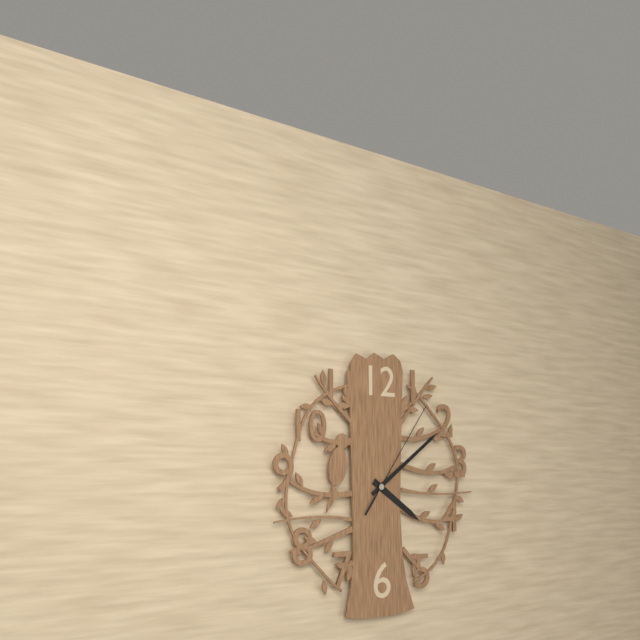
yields 4h09m06s
